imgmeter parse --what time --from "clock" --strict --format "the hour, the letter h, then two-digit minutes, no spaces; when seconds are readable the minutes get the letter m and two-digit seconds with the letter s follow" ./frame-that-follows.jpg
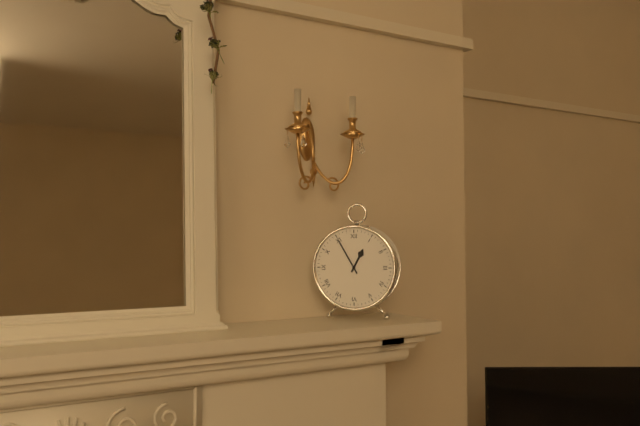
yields 12h55
